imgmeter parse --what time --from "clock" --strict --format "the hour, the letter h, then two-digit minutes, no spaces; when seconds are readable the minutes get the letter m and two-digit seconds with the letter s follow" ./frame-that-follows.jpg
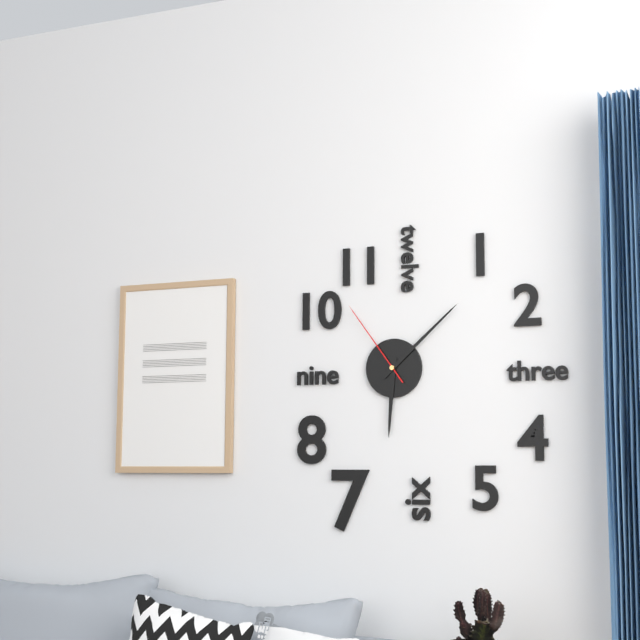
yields 6h08m54s
